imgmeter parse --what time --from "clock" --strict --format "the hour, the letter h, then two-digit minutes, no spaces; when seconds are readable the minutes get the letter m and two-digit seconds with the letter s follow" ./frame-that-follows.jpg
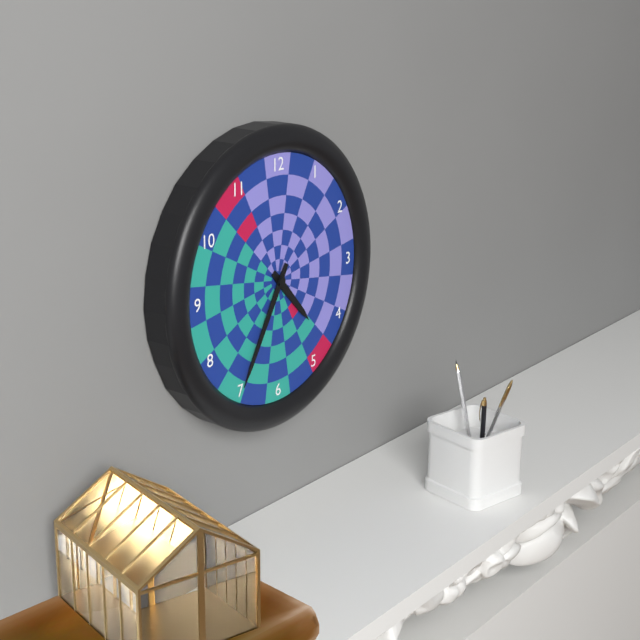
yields 4h35
